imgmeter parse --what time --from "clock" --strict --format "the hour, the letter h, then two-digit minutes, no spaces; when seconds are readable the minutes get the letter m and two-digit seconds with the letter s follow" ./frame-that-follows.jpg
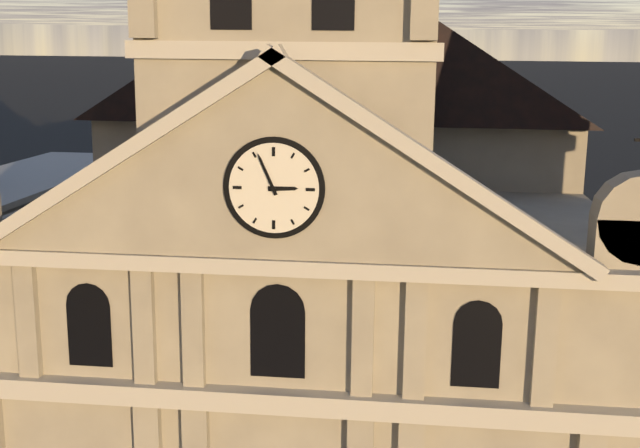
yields 2h56
